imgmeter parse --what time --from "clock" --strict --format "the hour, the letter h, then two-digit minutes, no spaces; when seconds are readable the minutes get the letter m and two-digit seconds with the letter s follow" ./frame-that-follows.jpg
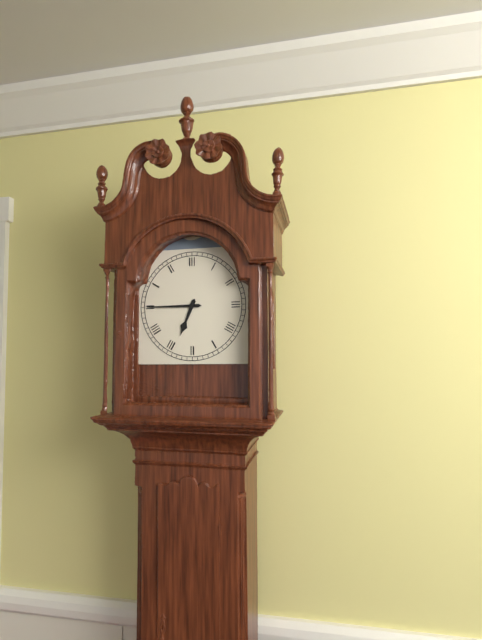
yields 6h45
